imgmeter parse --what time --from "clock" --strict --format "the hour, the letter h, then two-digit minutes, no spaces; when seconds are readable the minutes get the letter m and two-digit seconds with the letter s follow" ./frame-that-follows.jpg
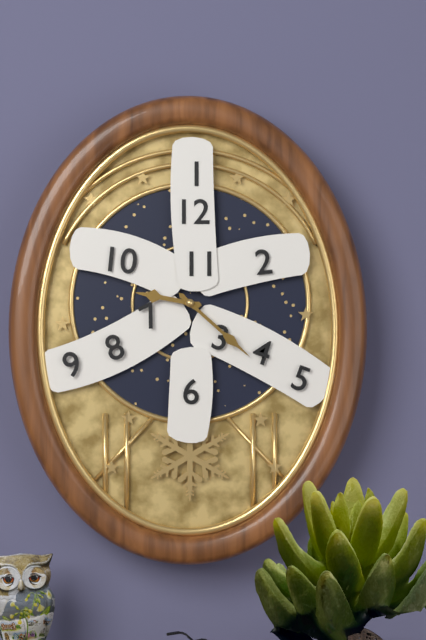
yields 9h22
